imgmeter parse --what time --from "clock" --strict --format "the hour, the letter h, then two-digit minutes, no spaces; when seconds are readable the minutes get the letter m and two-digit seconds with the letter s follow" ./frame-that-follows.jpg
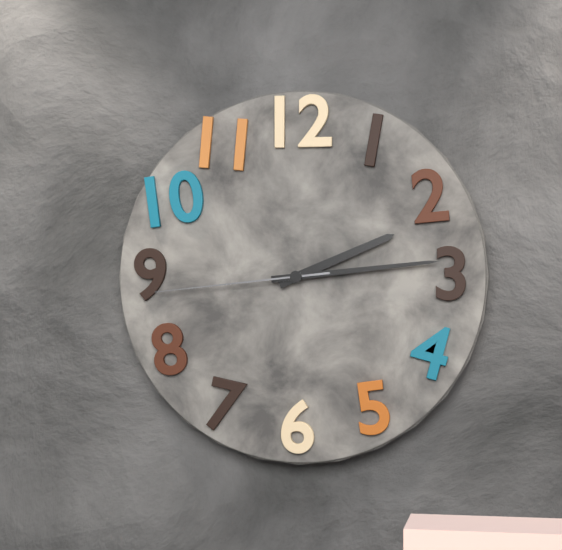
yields 2h14m44s
